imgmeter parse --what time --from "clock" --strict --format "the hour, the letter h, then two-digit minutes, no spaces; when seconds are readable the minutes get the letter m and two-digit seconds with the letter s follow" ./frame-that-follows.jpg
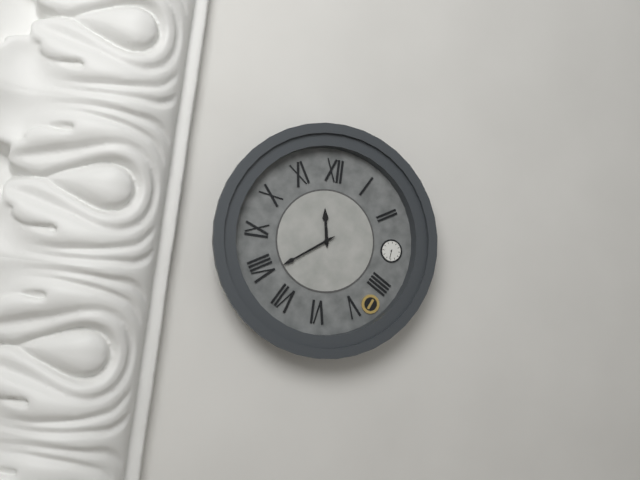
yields 11h39
